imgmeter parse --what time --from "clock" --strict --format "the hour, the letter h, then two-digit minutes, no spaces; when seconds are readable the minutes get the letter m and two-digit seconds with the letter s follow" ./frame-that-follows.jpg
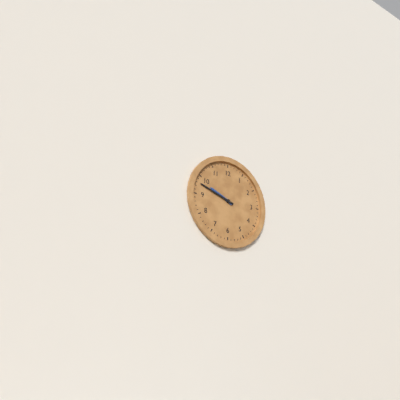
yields 9h48
